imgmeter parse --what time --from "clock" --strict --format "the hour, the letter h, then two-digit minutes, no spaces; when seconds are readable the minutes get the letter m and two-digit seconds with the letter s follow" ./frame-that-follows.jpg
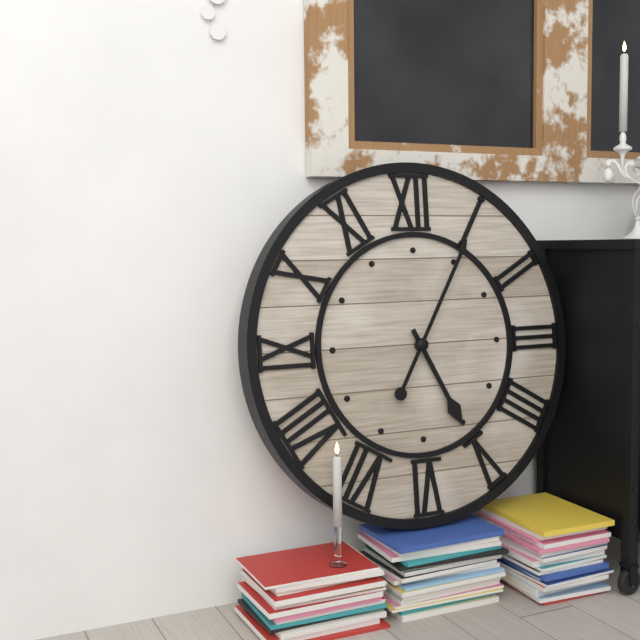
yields 5h05
